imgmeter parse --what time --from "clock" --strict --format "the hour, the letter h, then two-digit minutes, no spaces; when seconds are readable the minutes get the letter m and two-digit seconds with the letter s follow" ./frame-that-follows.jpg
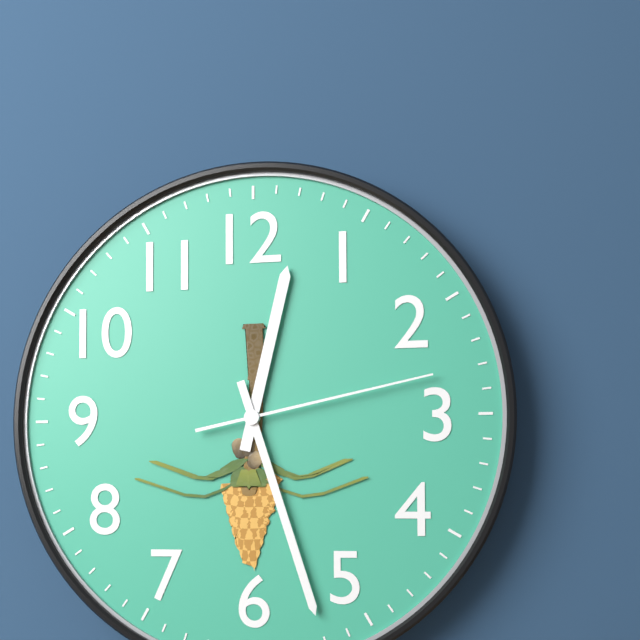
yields 12h27m13s
